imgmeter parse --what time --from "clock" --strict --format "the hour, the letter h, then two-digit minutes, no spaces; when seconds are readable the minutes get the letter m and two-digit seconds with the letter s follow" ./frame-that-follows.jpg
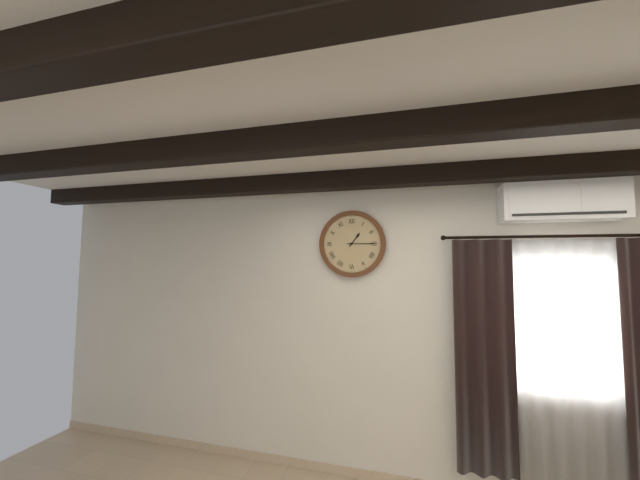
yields 1h15
